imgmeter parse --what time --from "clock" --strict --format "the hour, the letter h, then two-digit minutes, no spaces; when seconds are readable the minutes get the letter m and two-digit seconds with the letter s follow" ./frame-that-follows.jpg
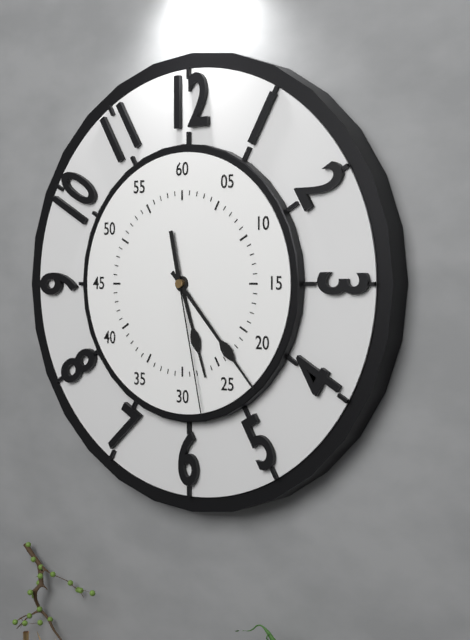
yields 5h23m28s
